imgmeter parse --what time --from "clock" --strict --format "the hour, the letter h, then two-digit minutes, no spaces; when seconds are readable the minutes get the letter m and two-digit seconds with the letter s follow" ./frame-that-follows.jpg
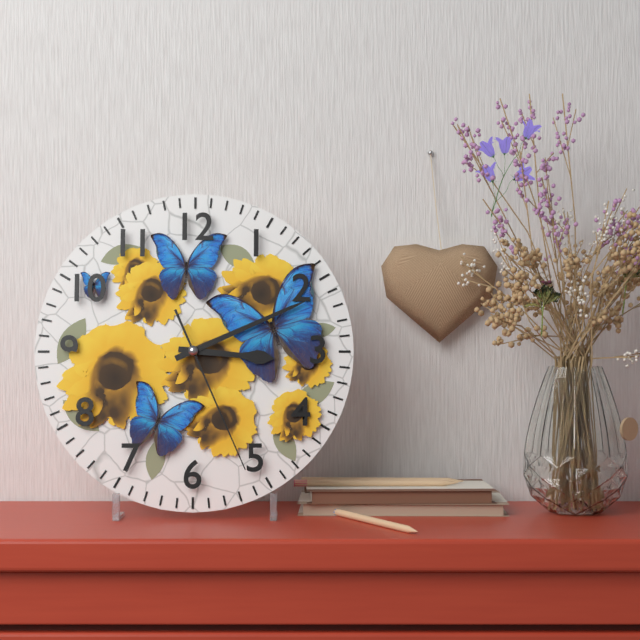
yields 3h11m26s
